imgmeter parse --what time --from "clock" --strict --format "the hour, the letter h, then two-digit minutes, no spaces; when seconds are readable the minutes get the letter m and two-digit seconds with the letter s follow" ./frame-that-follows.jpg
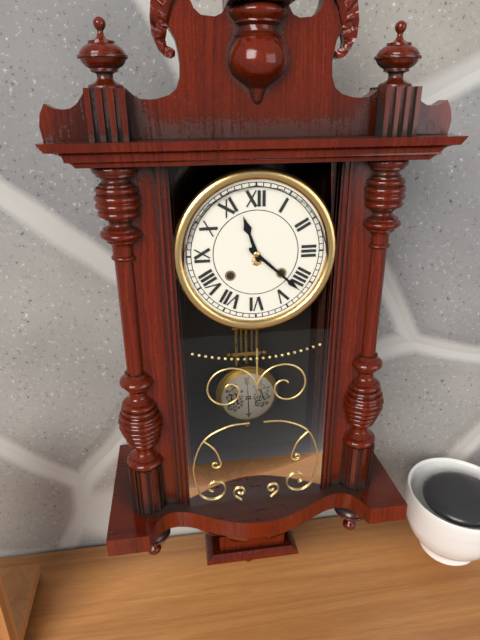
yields 11h22
